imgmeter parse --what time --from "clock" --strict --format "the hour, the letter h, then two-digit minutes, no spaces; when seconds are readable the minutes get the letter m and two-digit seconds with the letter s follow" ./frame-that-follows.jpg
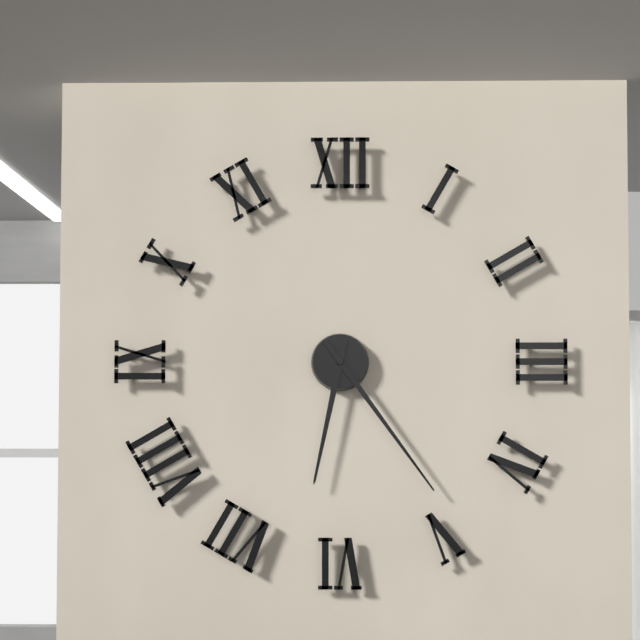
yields 6h24
